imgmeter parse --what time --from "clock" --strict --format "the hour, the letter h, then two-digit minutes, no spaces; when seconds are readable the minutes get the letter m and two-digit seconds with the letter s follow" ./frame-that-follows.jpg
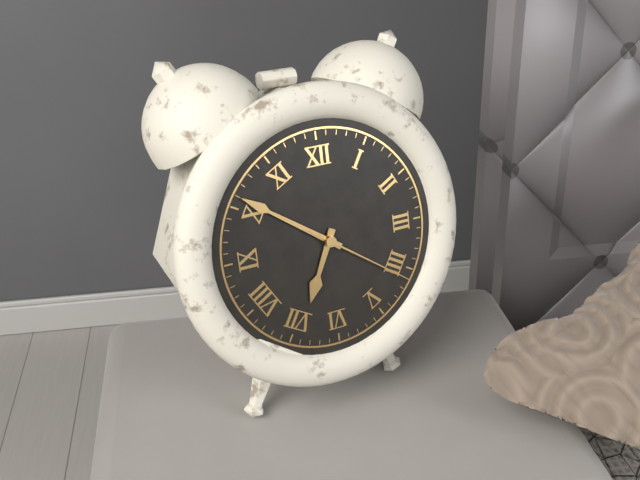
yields 6h51m21s
